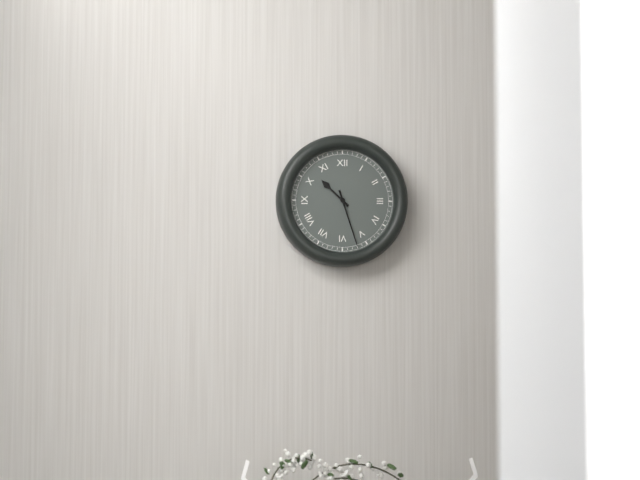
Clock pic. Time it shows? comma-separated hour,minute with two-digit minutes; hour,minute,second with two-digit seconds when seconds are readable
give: 10,27
